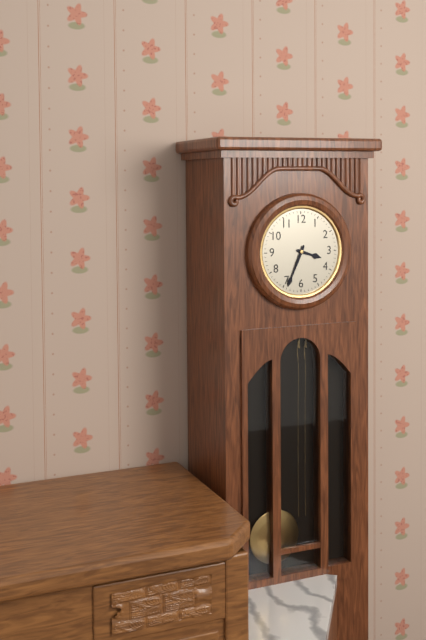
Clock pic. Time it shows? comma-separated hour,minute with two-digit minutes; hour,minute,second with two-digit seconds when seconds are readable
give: 3,34
